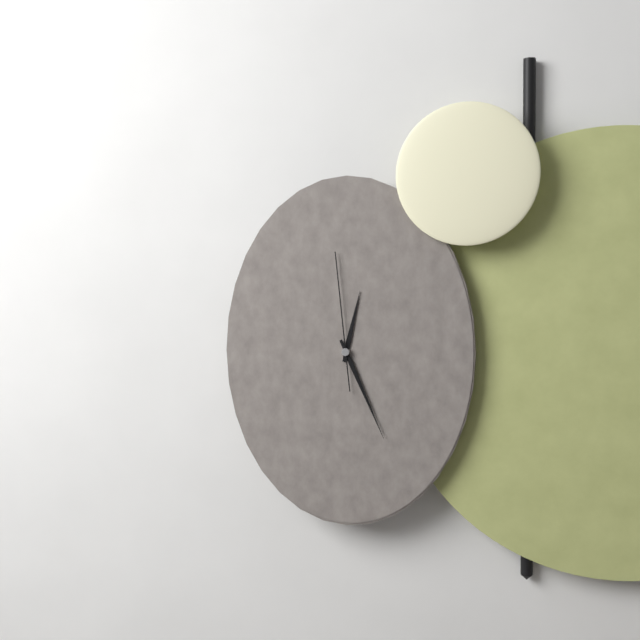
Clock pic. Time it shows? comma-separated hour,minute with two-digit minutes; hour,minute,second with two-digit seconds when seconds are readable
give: 12,26,59
